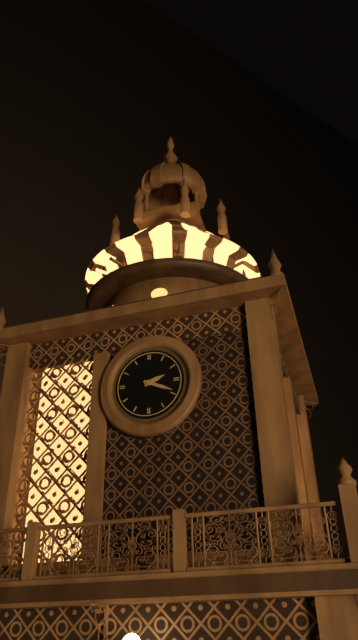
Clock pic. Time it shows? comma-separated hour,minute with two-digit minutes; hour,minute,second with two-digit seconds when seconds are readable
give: 2,19
